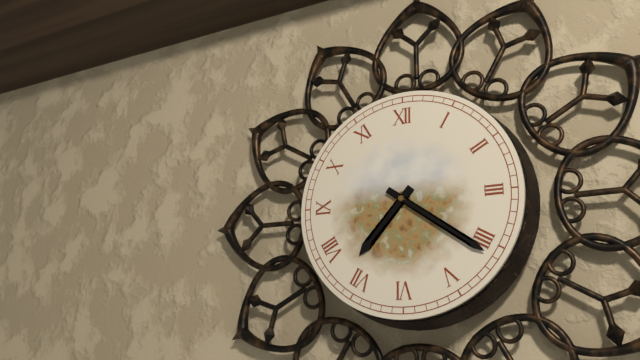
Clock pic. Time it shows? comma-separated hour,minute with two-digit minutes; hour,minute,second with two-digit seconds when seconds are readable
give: 7,21
